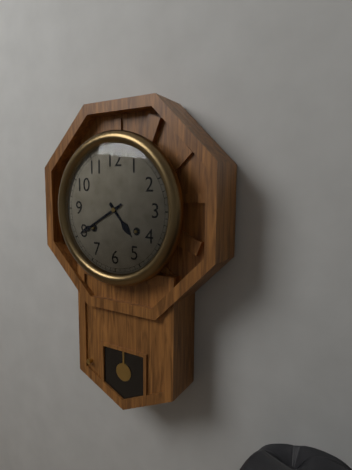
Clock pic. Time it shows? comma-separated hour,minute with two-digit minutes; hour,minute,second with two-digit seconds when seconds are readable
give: 4,40
